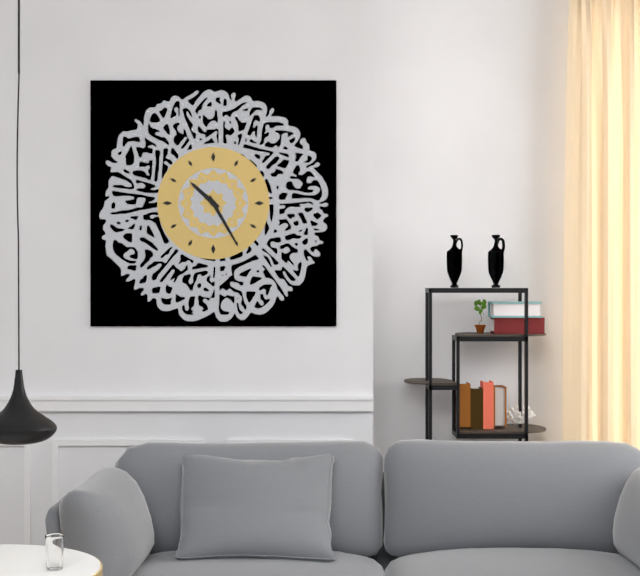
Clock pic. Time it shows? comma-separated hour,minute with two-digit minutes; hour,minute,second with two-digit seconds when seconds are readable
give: 10,25
